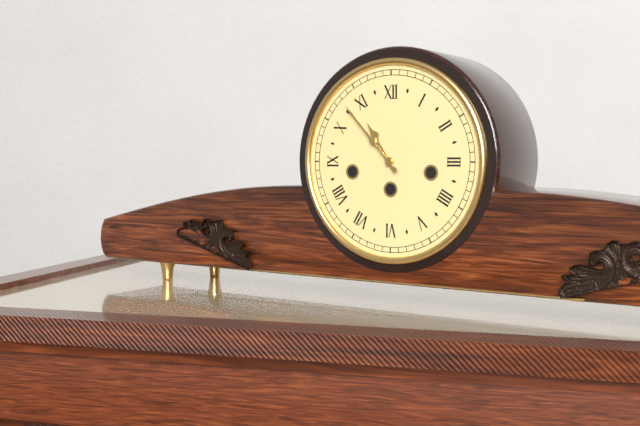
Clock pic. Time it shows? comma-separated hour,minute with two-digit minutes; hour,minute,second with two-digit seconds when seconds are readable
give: 10,53
